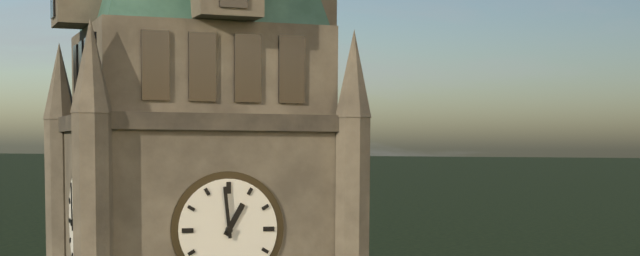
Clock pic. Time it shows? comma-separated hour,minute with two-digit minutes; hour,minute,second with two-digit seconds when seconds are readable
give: 12,59
